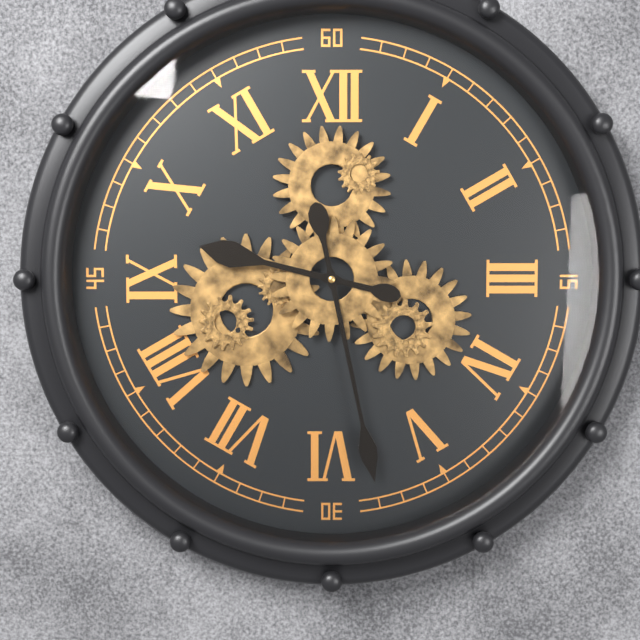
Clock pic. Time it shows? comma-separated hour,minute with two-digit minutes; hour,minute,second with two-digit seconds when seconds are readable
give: 9,28
